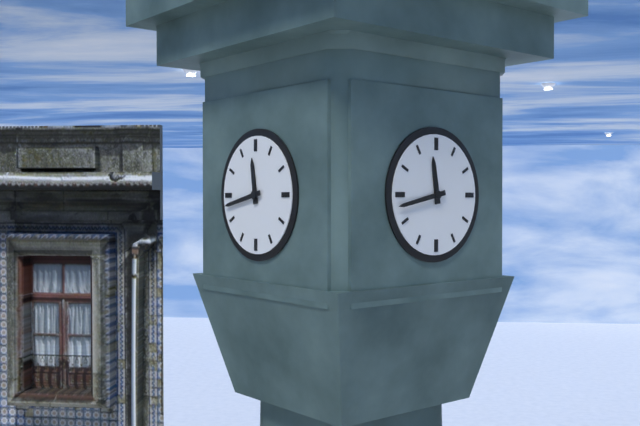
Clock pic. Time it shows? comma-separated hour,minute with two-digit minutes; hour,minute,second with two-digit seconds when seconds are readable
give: 11,43
